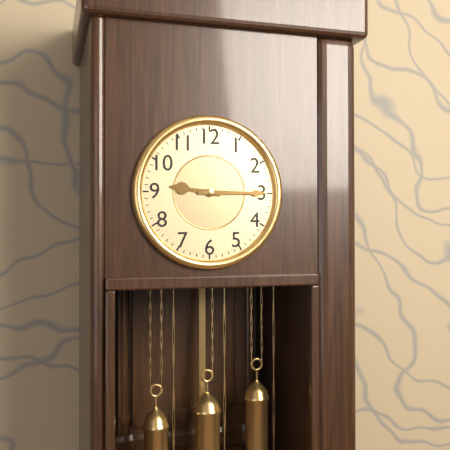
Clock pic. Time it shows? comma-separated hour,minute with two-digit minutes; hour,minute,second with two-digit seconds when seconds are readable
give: 9,15
